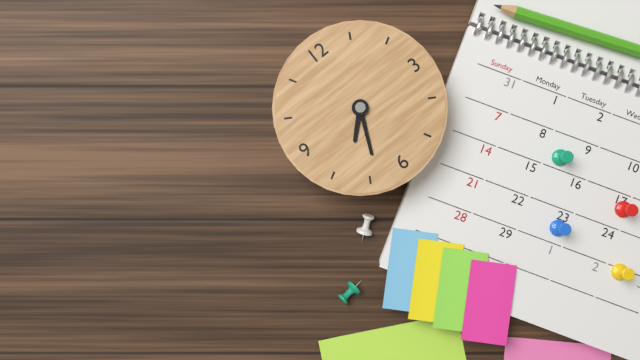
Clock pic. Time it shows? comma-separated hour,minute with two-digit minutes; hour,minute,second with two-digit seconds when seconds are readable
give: 7,34
